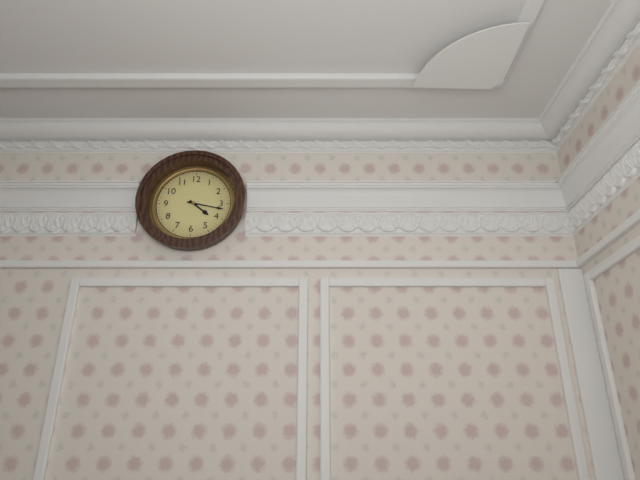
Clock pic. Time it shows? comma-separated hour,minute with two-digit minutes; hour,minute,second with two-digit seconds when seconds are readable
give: 4,17
